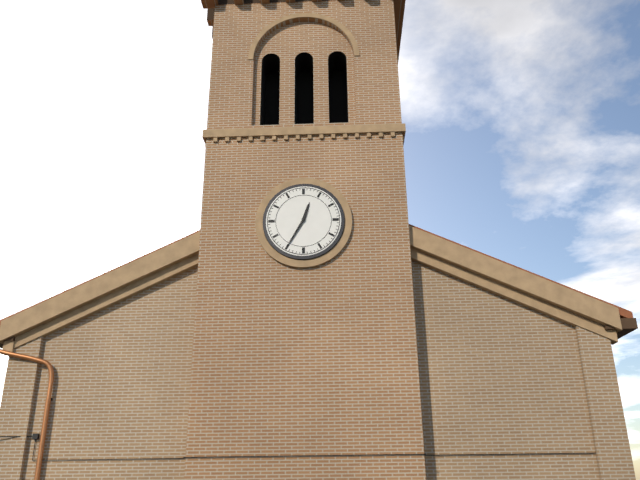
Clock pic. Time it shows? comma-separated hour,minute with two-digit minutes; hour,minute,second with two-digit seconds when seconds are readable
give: 12,35
